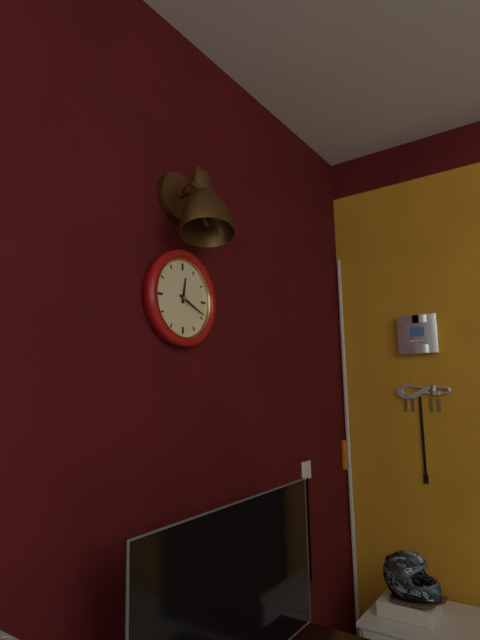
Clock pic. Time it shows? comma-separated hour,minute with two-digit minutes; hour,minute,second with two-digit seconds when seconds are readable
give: 12,19
